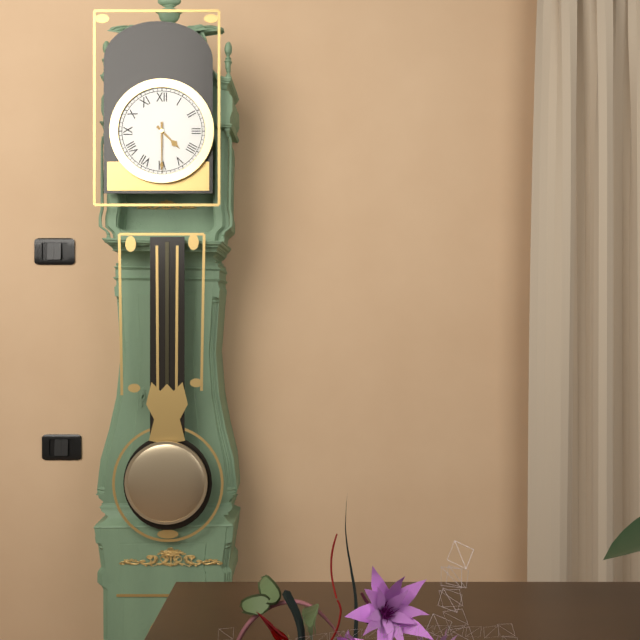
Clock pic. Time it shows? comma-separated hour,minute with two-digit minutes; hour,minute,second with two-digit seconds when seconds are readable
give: 4,30
